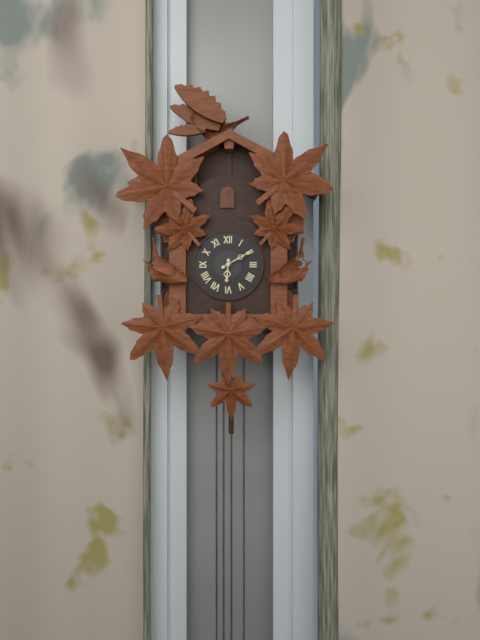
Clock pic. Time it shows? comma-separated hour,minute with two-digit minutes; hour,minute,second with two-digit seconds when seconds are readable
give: 6,10
